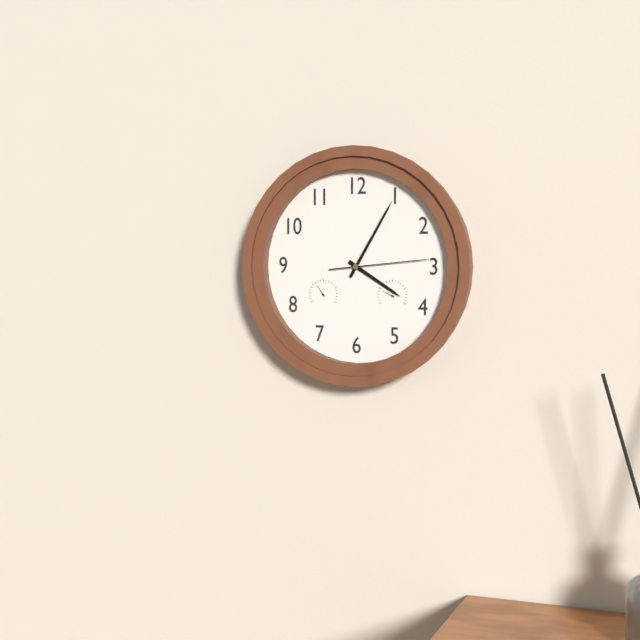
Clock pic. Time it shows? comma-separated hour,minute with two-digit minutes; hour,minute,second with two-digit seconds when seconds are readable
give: 4,05,14
